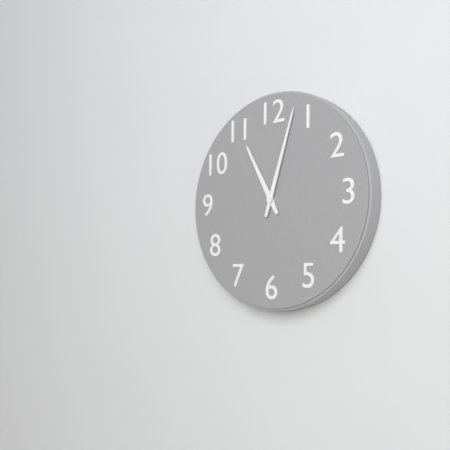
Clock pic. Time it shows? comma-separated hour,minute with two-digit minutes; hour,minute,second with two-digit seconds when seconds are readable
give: 11,03
